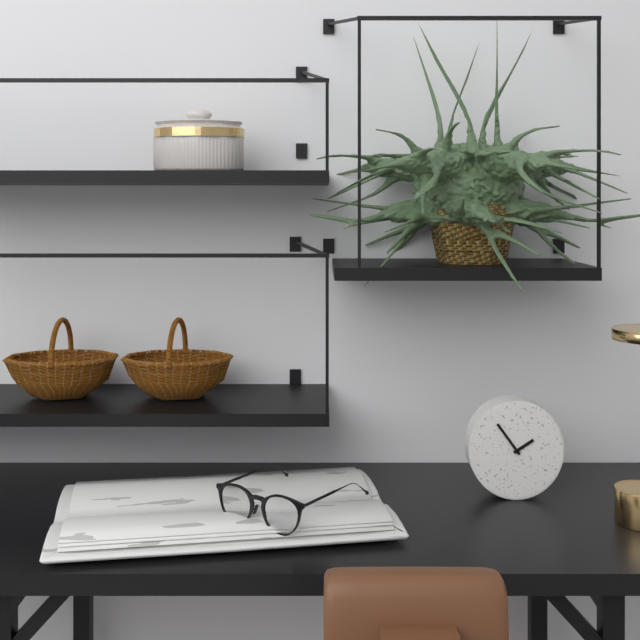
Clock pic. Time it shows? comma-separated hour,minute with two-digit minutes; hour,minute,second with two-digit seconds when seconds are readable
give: 1,54
